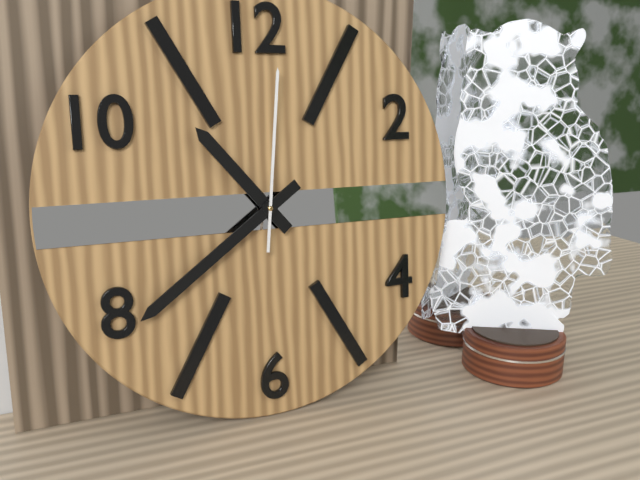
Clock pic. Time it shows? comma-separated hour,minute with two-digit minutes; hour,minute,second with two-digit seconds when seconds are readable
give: 10,39,01
